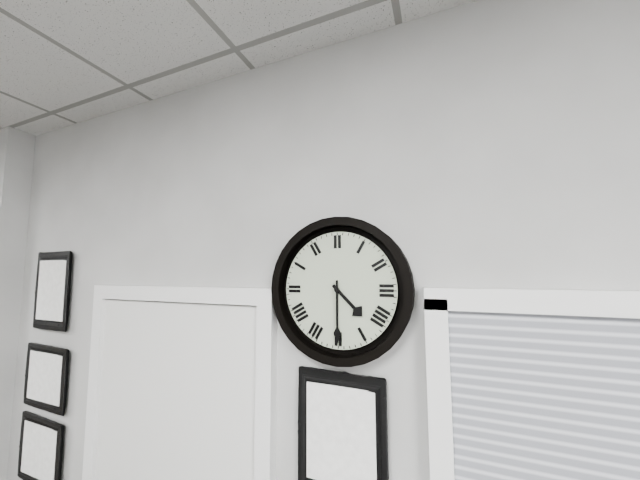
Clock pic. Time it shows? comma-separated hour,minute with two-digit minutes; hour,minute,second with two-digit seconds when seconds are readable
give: 4,30
